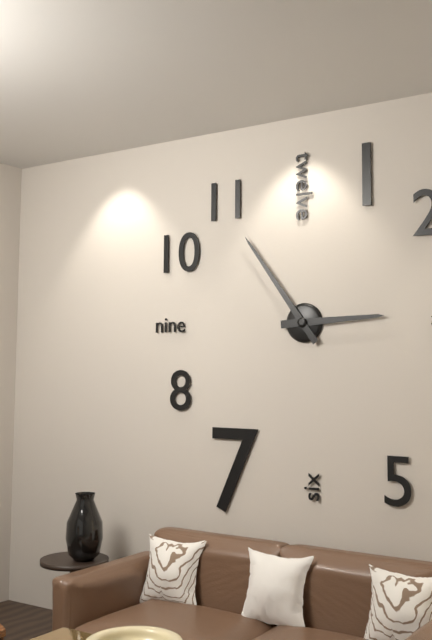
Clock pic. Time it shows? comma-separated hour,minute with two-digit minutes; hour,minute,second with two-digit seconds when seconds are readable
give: 2,54
